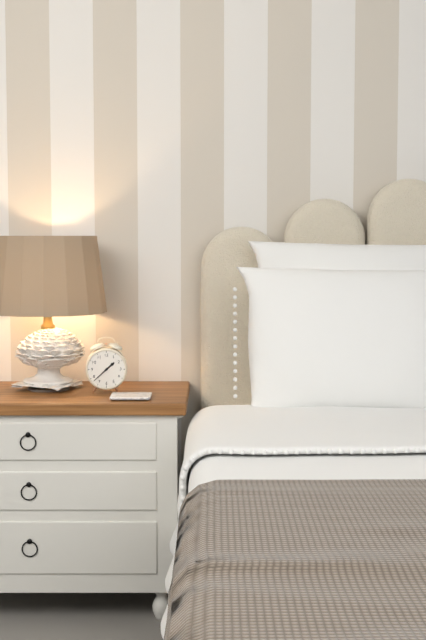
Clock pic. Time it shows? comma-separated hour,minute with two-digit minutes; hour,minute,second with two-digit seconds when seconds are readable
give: 1,38
